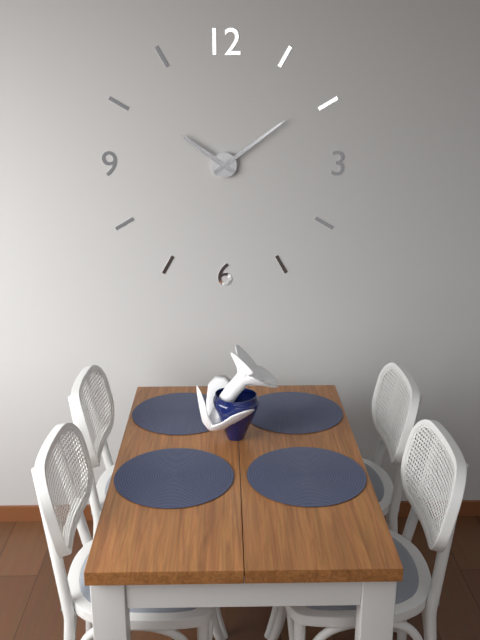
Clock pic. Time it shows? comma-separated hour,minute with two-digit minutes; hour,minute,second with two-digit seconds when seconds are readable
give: 10,09
